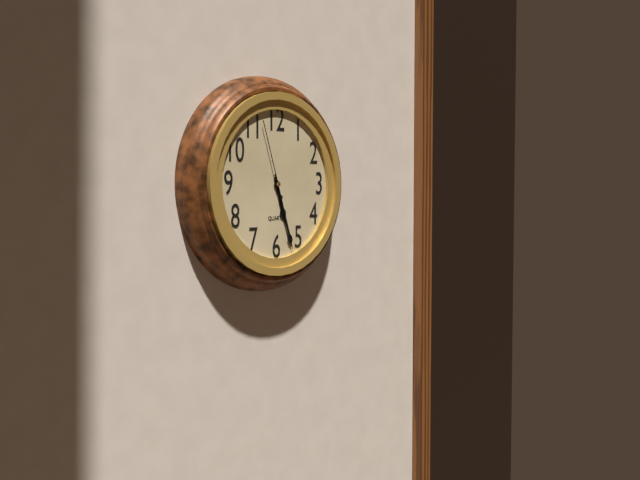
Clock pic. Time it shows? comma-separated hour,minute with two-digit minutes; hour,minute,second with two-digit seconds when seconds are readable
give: 5,27,57
